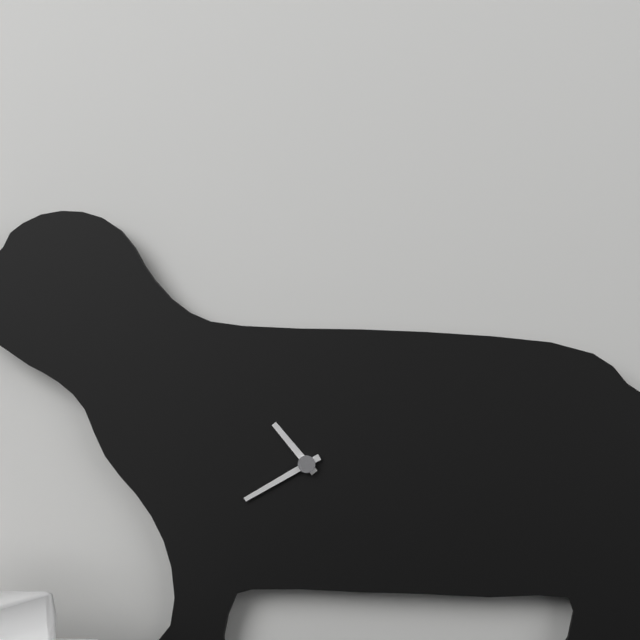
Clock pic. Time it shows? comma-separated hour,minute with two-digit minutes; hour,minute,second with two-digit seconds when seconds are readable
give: 10,40
